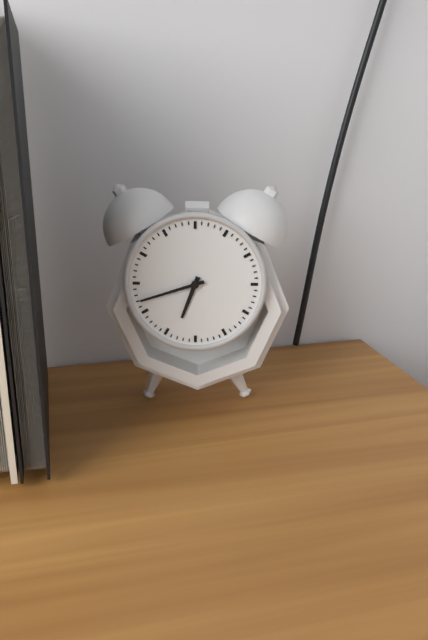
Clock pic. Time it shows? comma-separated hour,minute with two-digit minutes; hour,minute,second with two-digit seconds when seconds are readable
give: 6,42
